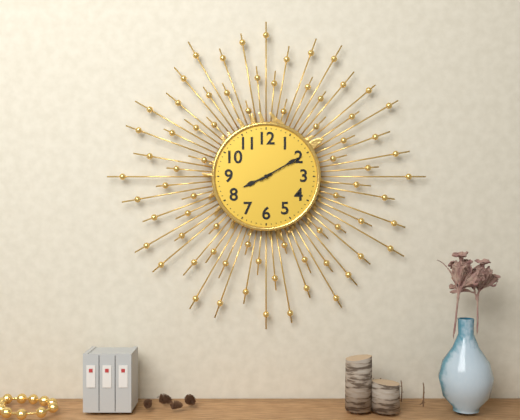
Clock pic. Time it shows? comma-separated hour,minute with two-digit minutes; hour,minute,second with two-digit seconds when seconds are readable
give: 8,10
